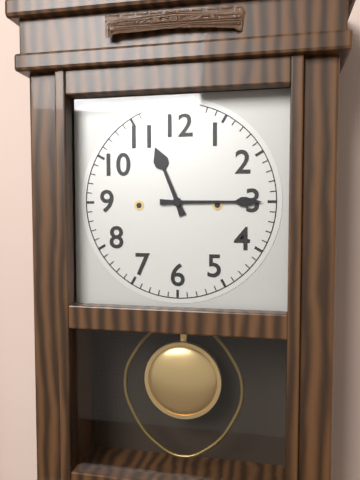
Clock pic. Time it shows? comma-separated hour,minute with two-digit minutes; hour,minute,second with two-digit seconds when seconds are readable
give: 11,15
